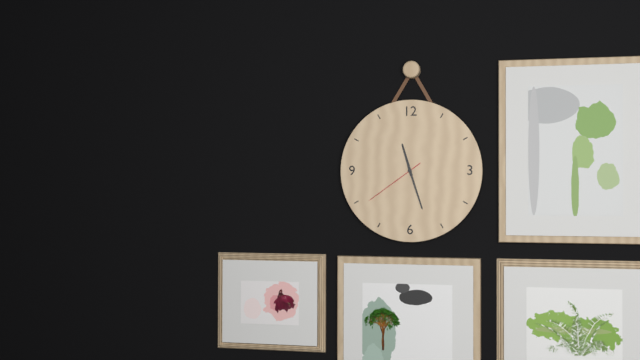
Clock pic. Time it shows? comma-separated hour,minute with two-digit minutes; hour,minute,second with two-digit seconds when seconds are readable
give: 11,27,39
